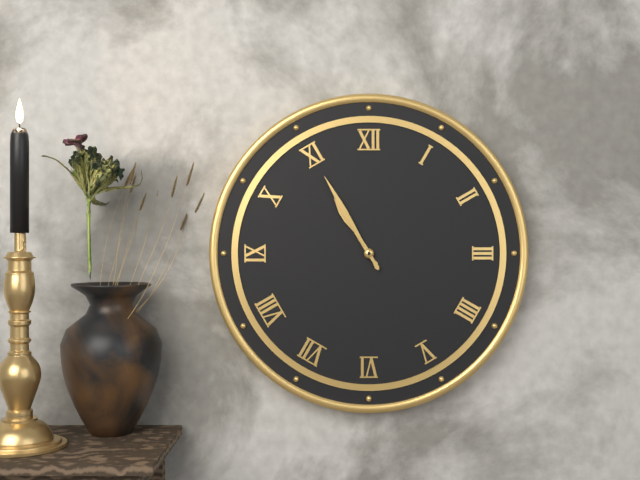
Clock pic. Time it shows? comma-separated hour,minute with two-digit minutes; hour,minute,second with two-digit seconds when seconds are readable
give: 10,55
